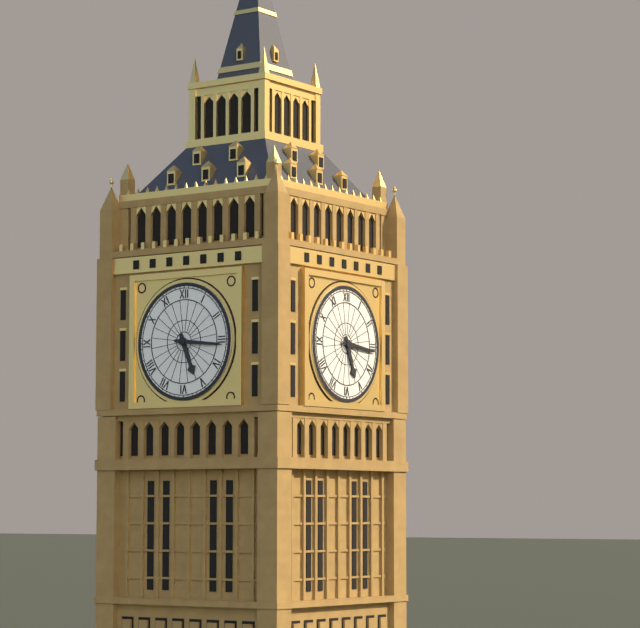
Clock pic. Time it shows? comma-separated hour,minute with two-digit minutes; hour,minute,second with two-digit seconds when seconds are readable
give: 5,16
